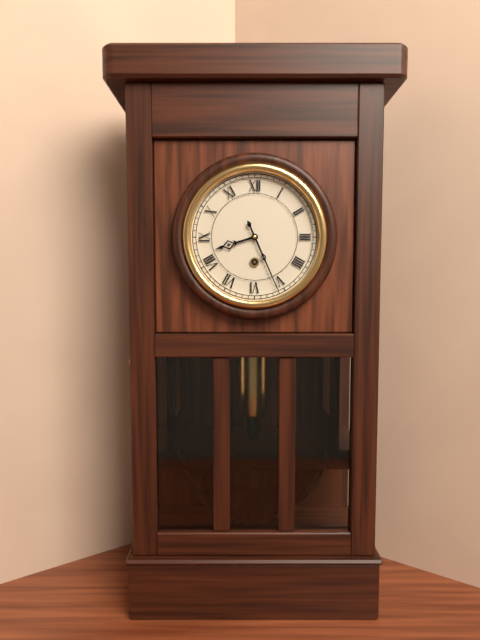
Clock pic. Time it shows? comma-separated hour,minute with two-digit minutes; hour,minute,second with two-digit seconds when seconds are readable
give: 8,26
